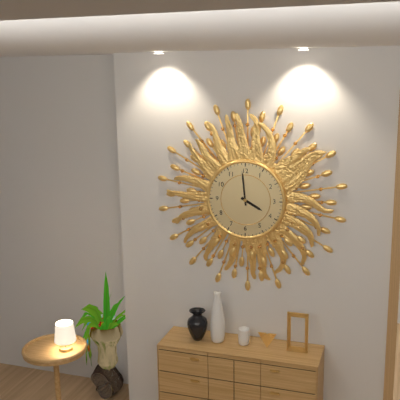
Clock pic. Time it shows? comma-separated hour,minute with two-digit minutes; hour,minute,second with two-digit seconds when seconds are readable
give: 3,59
